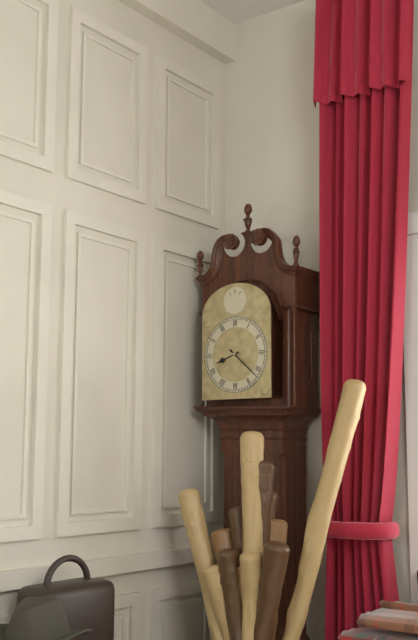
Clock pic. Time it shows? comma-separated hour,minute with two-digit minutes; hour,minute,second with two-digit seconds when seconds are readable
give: 8,22
